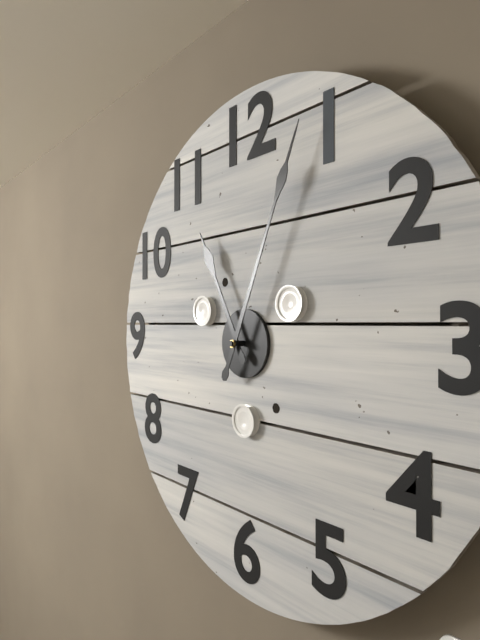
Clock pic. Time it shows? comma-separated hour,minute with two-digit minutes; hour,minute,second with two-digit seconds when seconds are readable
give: 11,04
